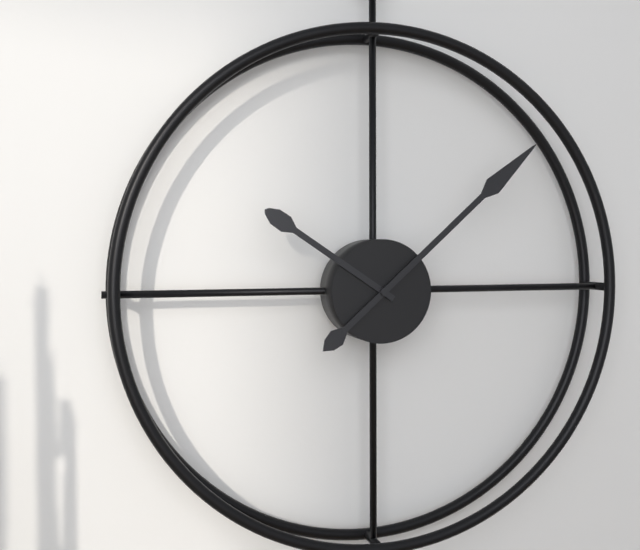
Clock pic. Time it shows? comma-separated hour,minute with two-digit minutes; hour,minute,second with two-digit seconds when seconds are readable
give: 10,08
